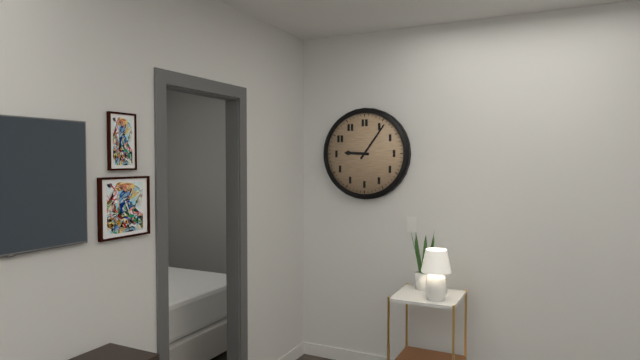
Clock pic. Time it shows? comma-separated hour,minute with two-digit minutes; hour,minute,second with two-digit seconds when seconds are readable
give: 9,06
